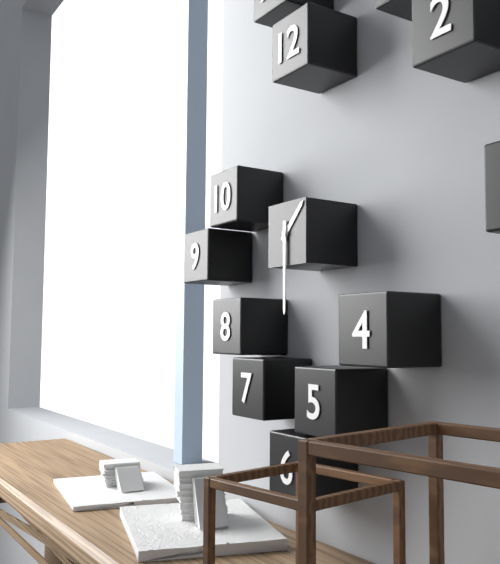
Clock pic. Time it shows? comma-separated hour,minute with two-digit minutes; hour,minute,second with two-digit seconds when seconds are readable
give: 1,30
